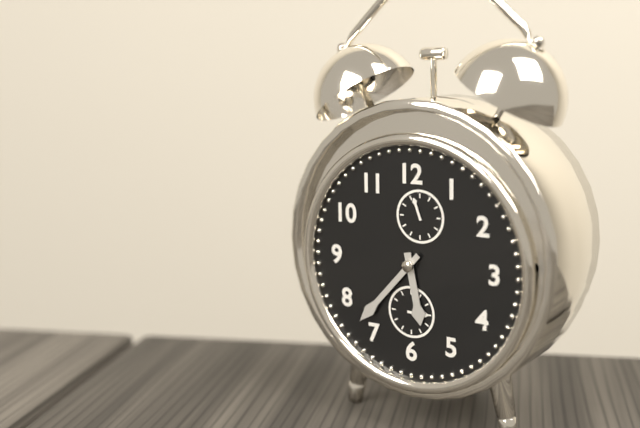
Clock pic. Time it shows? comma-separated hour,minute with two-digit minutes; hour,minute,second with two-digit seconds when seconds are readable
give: 5,37
